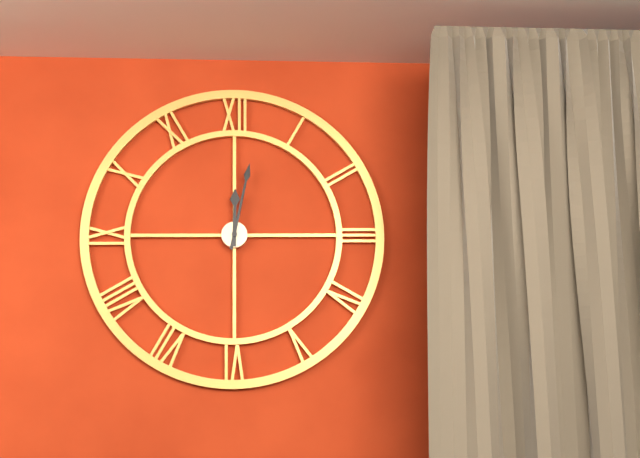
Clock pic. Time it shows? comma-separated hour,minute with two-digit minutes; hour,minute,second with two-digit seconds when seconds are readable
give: 12,02
